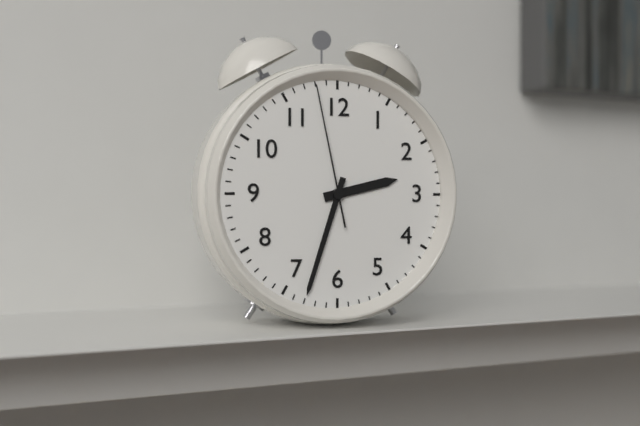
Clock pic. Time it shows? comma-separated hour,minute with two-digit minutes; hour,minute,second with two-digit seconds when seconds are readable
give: 2,33,58
